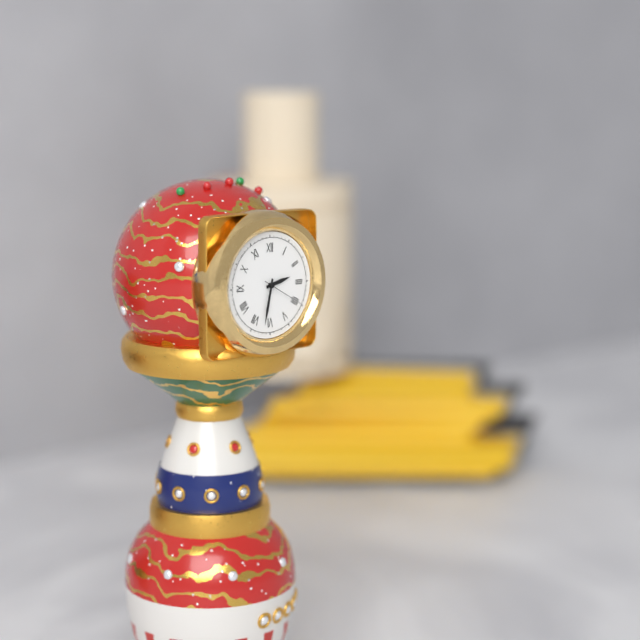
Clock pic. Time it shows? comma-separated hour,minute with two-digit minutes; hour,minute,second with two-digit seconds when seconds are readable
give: 2,32
